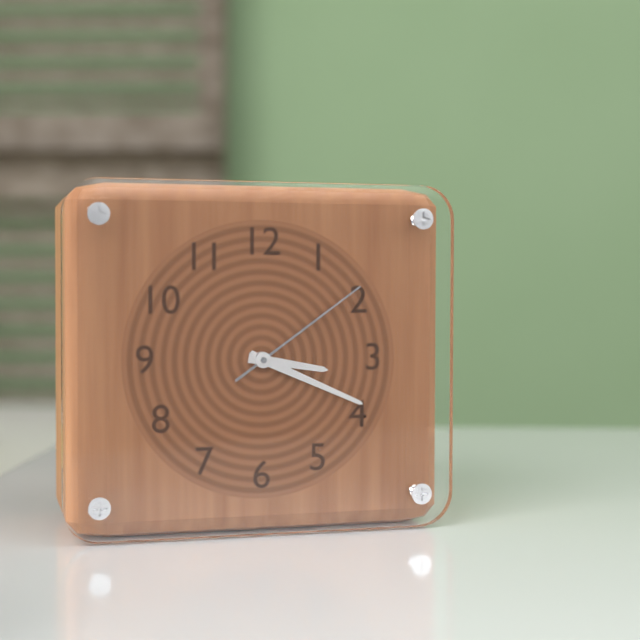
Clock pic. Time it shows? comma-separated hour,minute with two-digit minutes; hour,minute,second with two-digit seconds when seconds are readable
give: 3,19,09
